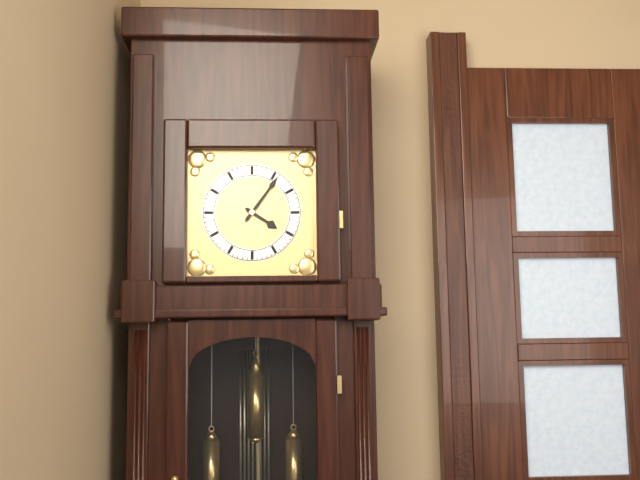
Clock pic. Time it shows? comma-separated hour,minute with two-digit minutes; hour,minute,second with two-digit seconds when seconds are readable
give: 4,06
